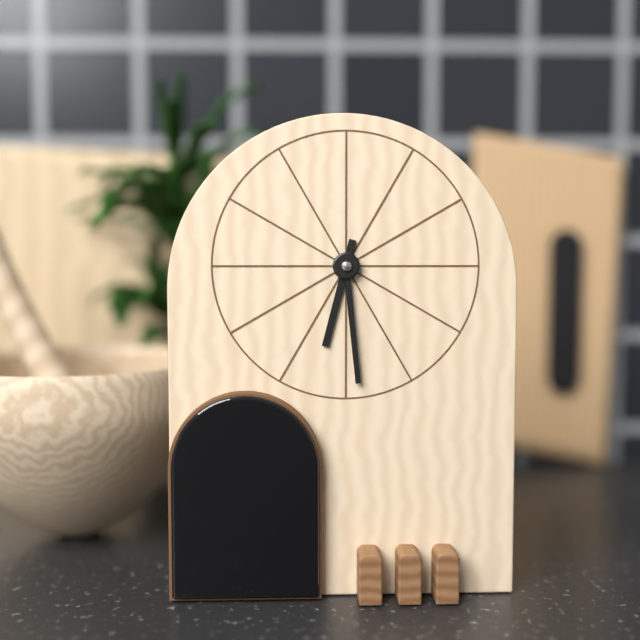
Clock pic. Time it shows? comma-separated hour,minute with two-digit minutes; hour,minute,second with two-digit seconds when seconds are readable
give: 6,29
